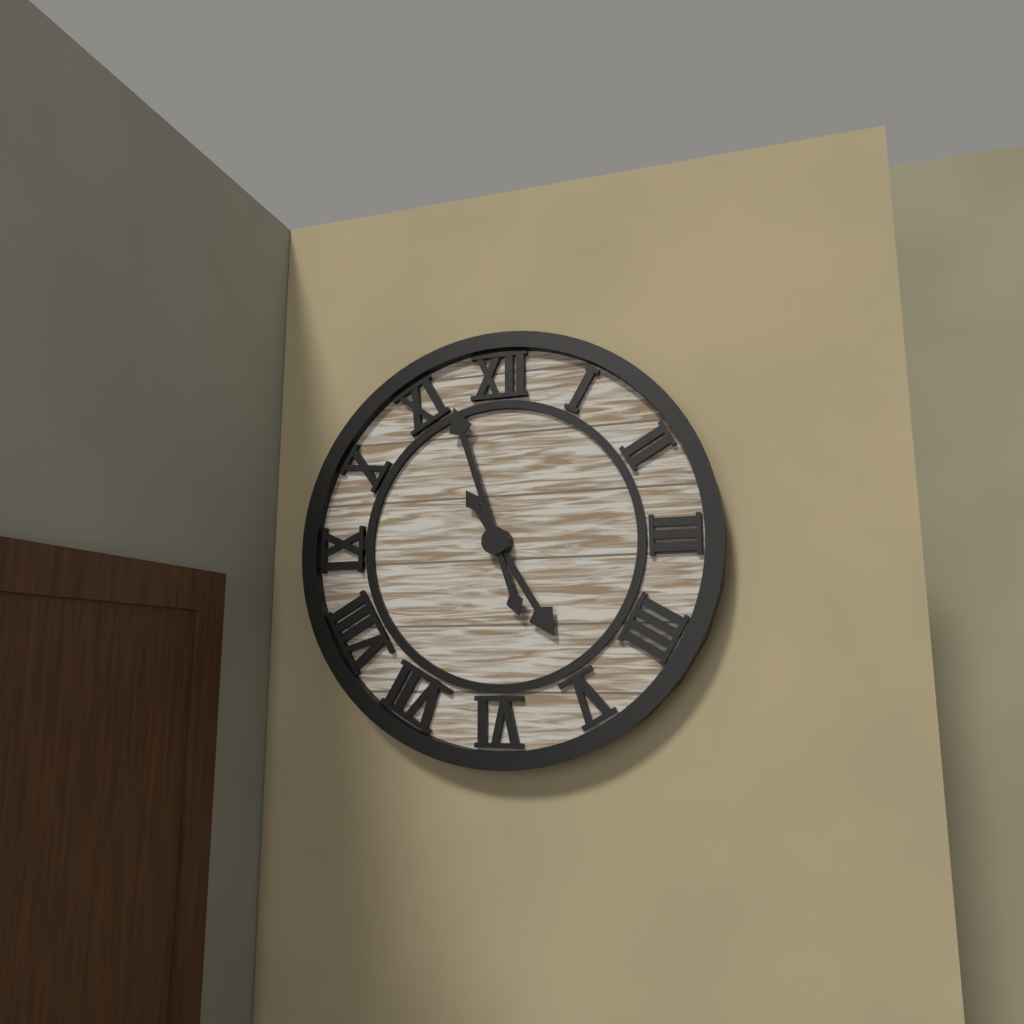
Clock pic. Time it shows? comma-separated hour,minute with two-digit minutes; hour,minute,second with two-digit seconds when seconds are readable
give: 4,57
